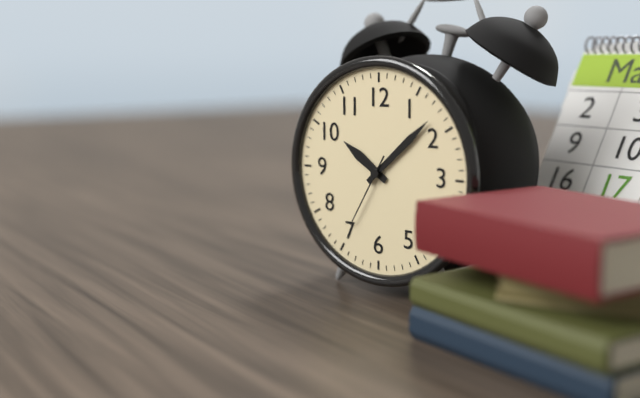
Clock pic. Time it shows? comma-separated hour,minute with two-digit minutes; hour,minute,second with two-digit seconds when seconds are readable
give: 10,08,35
